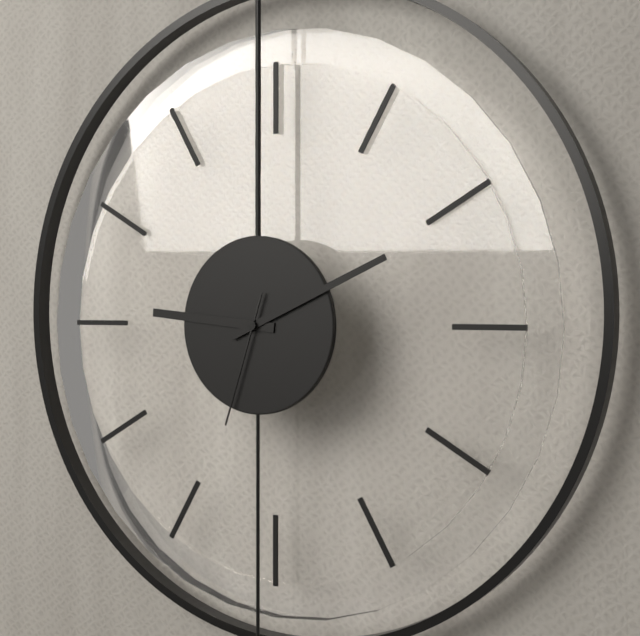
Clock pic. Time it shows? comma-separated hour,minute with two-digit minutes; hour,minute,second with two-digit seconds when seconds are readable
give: 9,11,33
